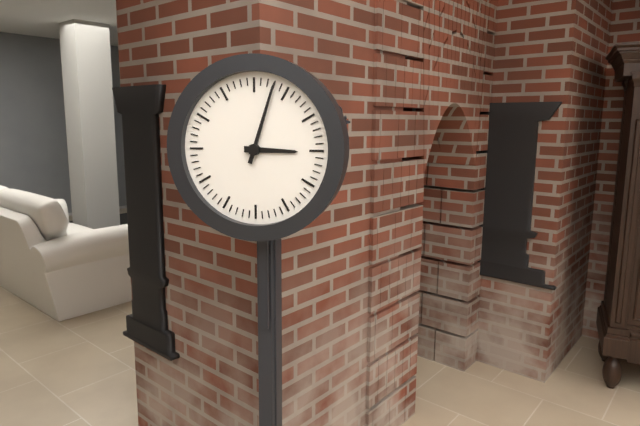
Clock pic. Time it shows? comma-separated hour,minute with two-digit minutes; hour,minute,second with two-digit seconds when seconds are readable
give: 3,03
